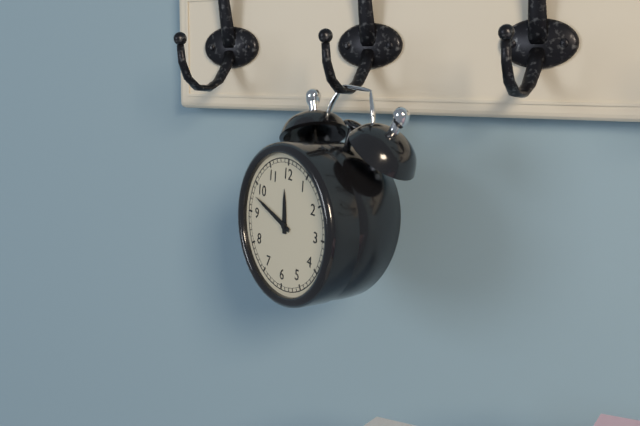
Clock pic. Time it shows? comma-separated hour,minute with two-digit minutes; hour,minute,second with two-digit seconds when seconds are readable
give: 11,48
